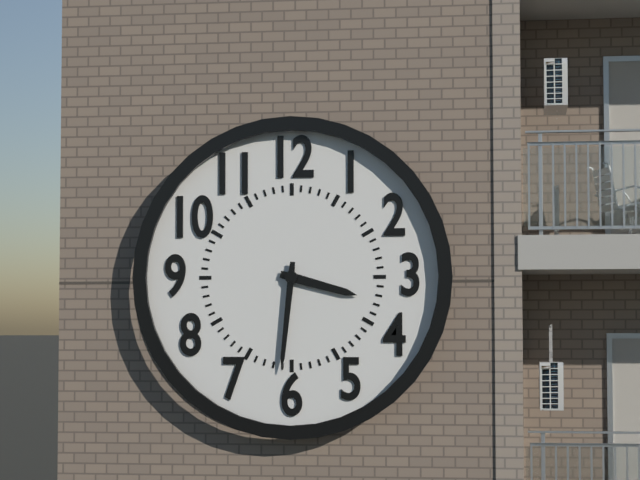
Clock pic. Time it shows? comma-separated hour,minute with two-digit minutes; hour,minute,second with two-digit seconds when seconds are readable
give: 3,31
